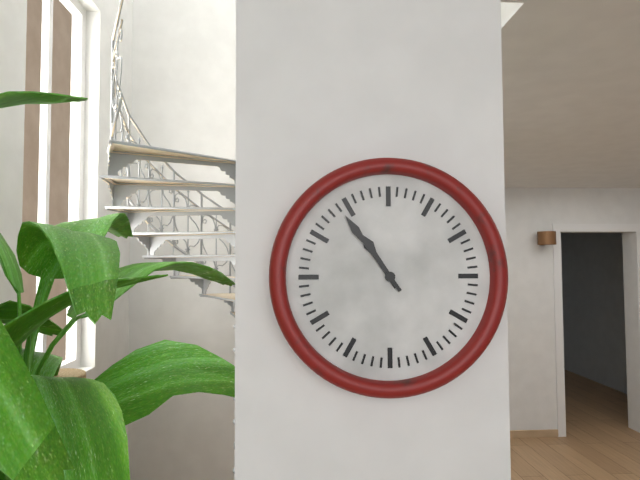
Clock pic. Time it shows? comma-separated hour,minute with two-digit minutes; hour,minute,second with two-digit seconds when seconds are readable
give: 10,54
